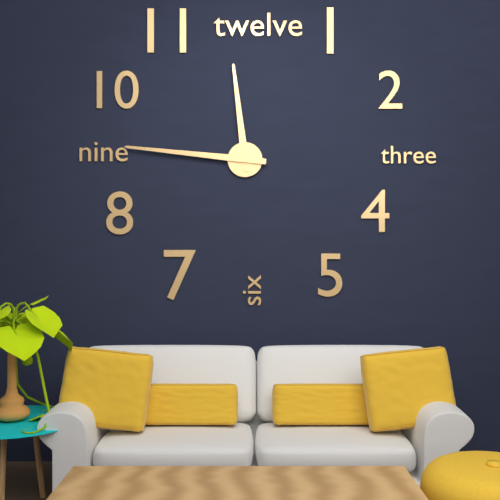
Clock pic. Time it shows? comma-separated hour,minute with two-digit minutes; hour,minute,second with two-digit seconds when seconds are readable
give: 11,46
